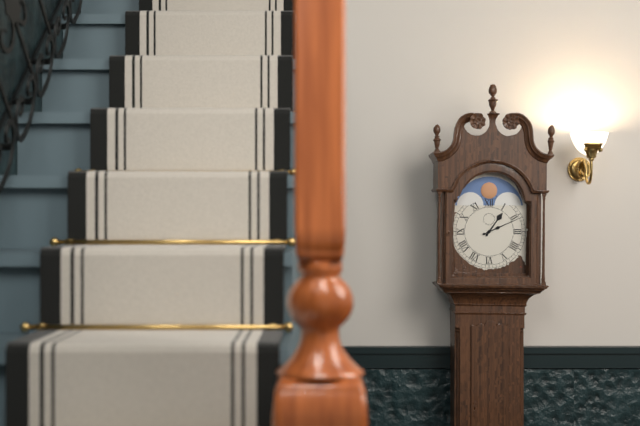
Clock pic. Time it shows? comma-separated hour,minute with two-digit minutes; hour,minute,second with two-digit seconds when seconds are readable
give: 1,11
